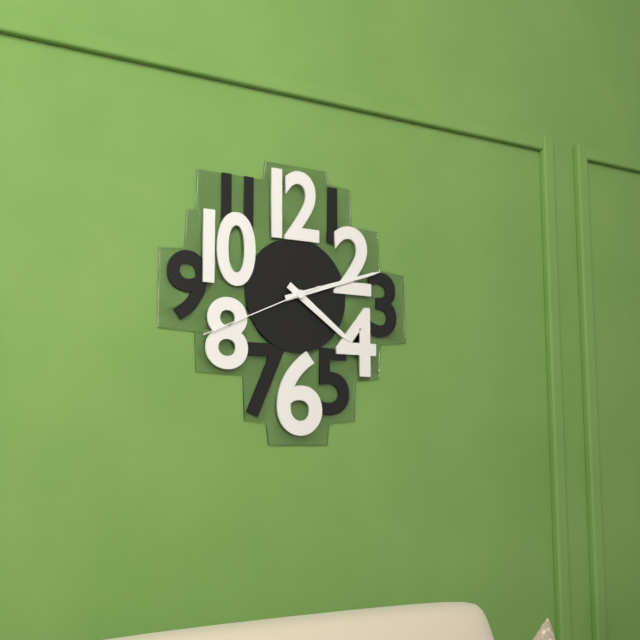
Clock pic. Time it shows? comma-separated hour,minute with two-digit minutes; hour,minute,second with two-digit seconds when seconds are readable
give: 4,12,41
